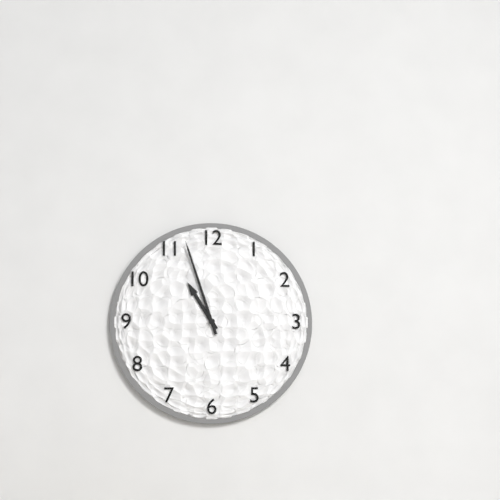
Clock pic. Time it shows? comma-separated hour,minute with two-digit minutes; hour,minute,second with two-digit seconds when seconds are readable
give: 10,57
